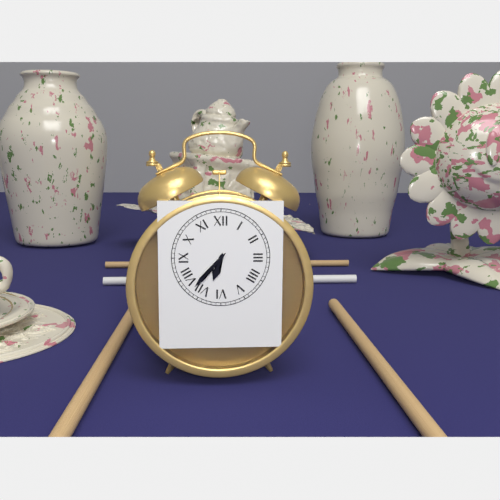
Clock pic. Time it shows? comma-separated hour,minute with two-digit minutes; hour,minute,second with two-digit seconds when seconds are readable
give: 6,37
